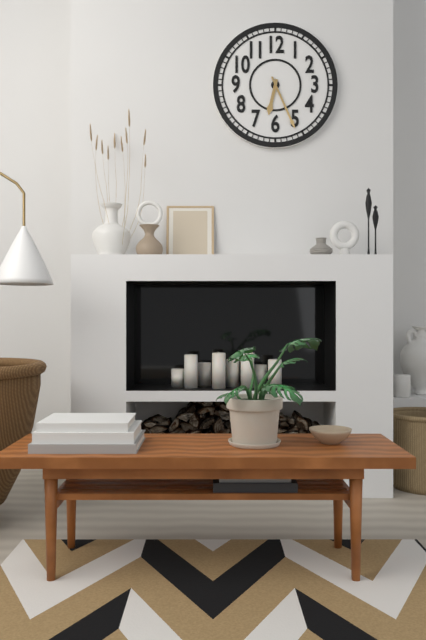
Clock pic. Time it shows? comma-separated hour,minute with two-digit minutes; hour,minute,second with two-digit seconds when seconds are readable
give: 6,26
